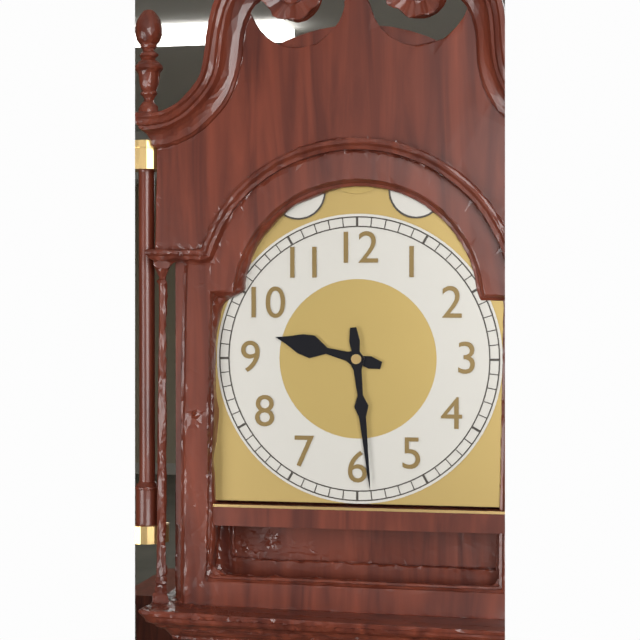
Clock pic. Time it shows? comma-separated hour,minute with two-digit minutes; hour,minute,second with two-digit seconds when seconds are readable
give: 9,29
